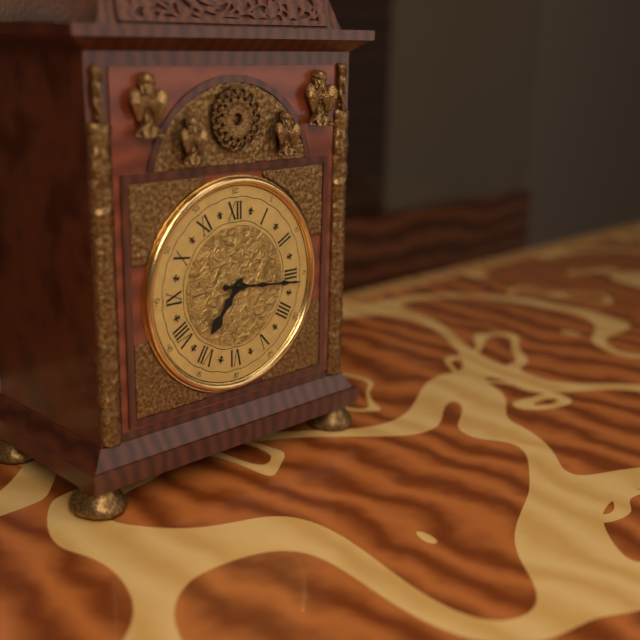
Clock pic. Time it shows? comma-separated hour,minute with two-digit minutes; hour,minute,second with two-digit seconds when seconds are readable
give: 7,16
